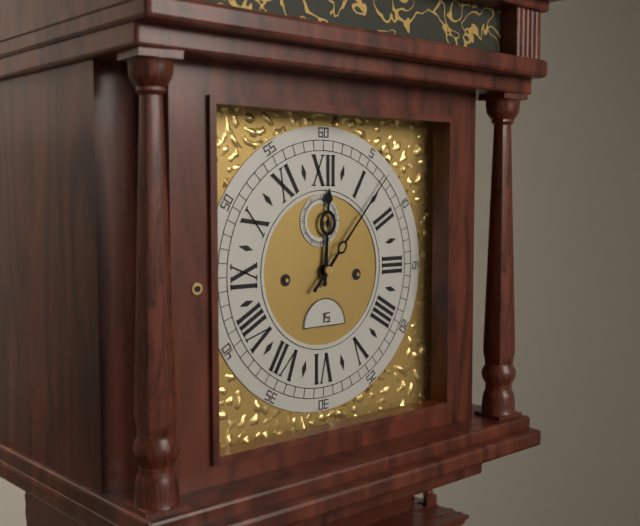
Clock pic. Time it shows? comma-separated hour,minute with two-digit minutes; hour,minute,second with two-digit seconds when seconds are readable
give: 12,07
